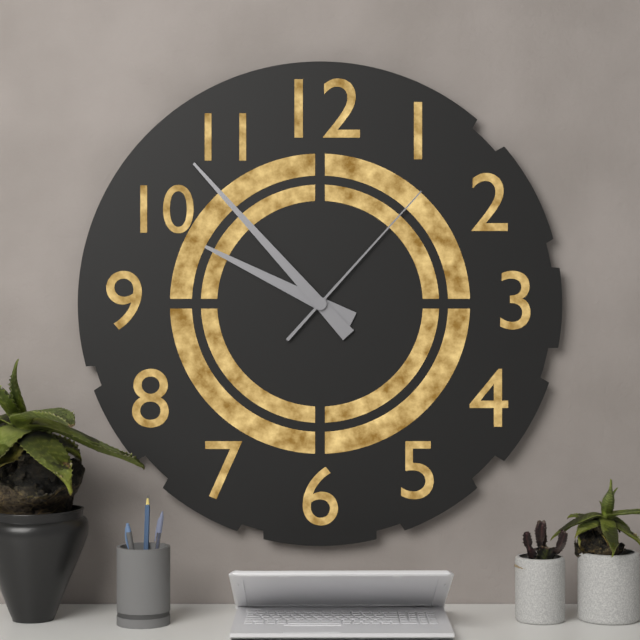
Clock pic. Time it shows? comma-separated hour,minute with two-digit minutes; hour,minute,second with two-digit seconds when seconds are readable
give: 9,53,07
